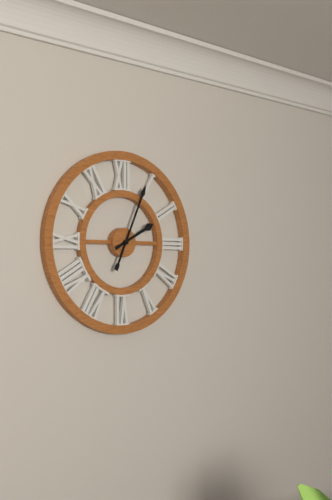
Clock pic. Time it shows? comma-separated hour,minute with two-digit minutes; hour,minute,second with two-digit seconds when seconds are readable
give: 2,04
